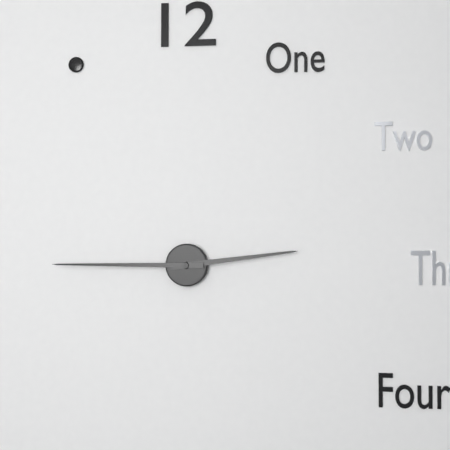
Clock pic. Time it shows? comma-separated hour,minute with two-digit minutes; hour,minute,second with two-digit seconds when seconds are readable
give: 2,45
